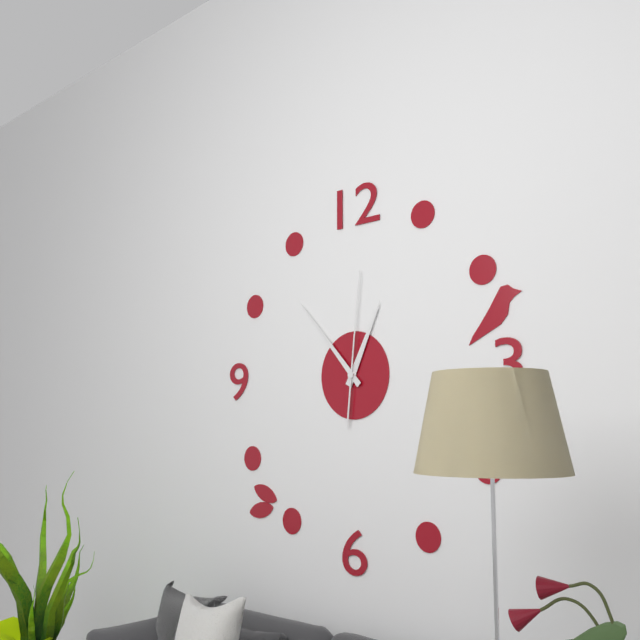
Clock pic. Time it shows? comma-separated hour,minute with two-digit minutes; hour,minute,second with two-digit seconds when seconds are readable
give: 12,53,01
